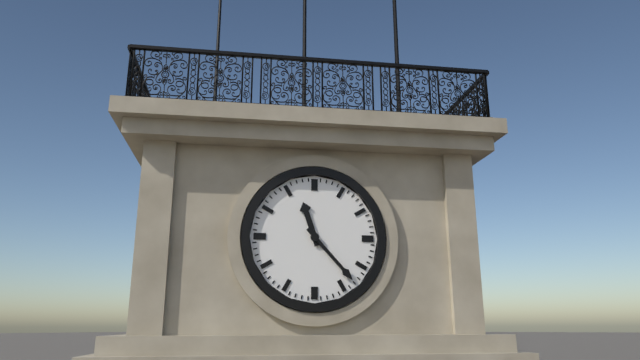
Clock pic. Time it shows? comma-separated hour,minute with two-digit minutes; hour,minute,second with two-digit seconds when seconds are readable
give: 11,23
